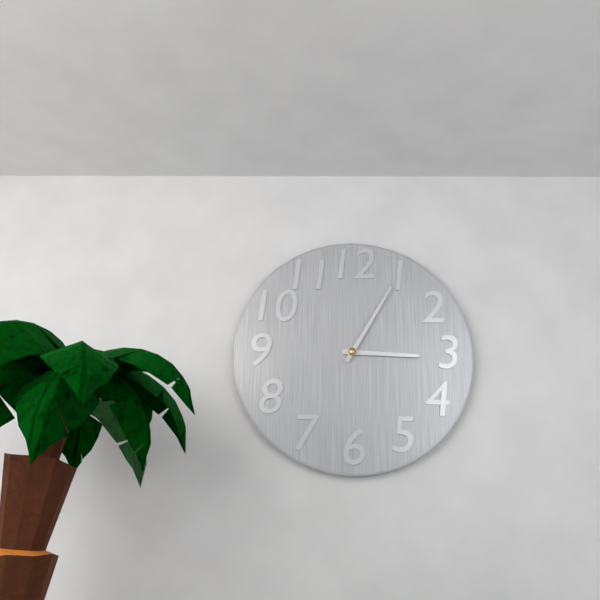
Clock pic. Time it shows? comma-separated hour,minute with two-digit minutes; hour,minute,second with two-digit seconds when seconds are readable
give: 3,05
